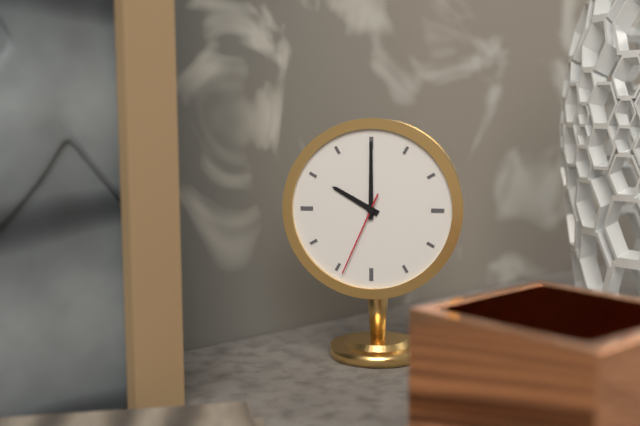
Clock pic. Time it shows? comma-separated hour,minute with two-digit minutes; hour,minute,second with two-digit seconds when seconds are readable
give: 10,00,34
